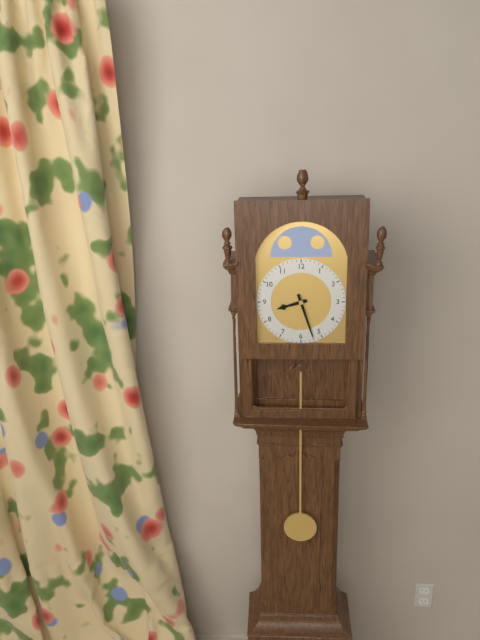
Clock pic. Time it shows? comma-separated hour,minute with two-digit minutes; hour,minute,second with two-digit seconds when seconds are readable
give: 8,27
